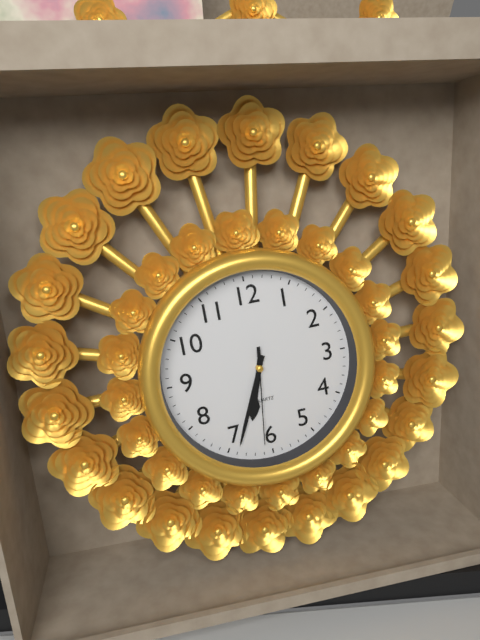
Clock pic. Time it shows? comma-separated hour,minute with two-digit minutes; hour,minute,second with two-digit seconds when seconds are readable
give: 6,34,31
